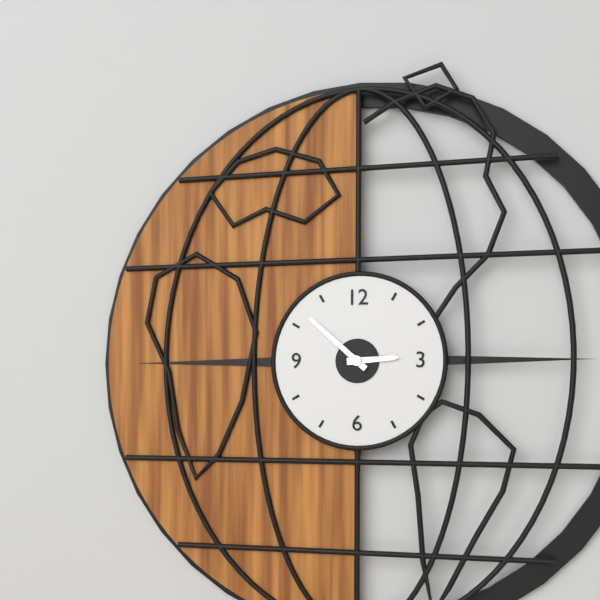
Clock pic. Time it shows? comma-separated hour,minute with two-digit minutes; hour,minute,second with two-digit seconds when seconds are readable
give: 2,52
